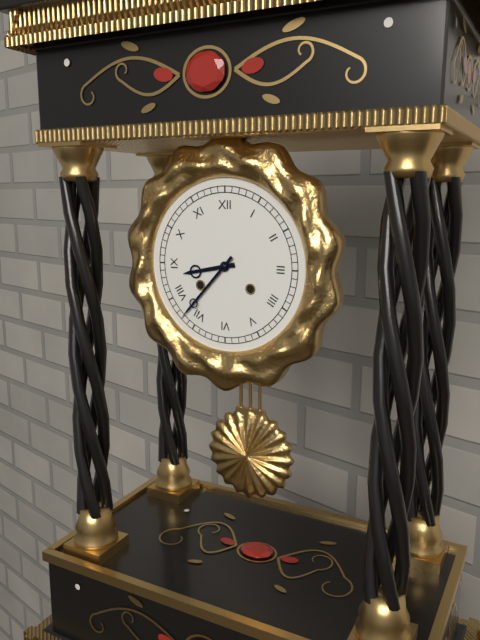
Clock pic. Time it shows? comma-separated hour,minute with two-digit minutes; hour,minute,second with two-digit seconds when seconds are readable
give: 8,37
